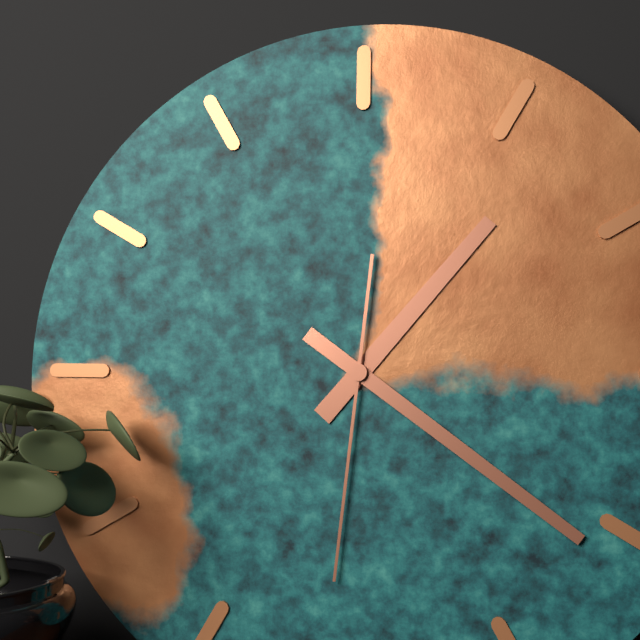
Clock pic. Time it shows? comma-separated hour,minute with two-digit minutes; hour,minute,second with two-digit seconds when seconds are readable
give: 1,21,31
